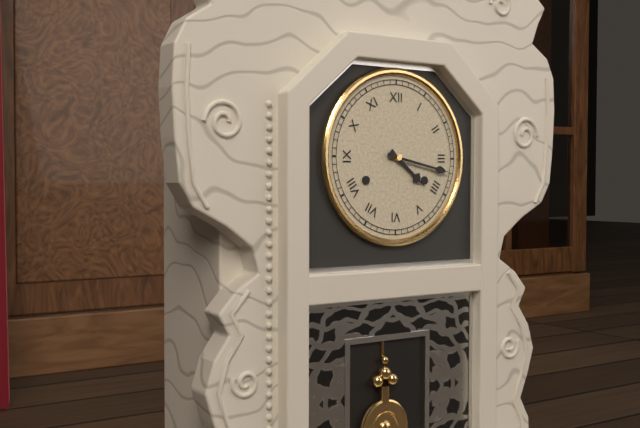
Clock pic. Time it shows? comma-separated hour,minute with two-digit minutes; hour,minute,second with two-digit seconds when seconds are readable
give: 4,17
